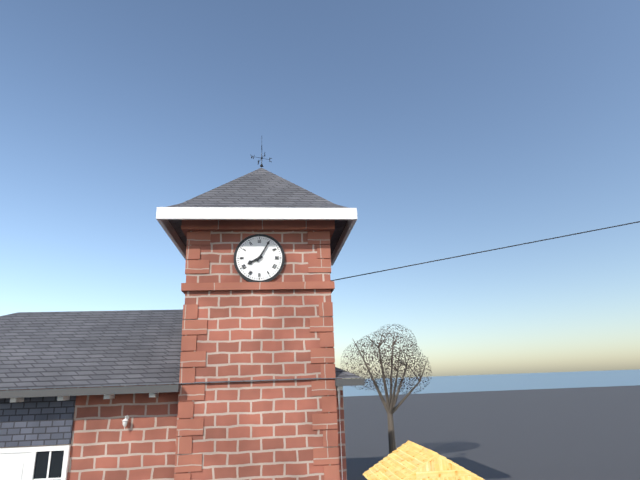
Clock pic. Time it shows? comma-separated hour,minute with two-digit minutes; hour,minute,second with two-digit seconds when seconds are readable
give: 8,05
